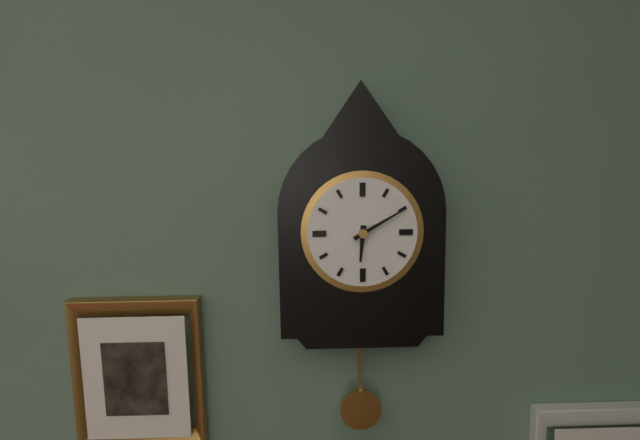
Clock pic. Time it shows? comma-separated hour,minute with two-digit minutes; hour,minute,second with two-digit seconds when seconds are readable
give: 6,10
